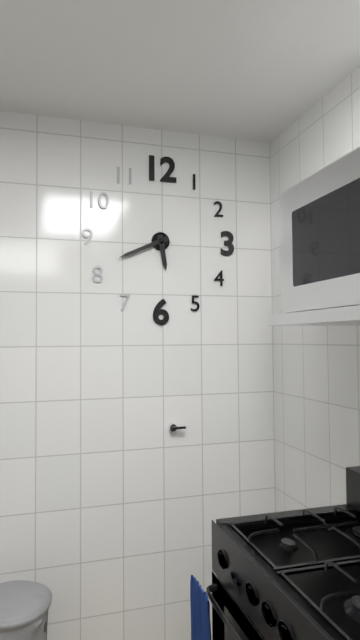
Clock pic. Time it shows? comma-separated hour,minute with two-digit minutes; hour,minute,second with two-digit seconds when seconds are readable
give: 5,41
